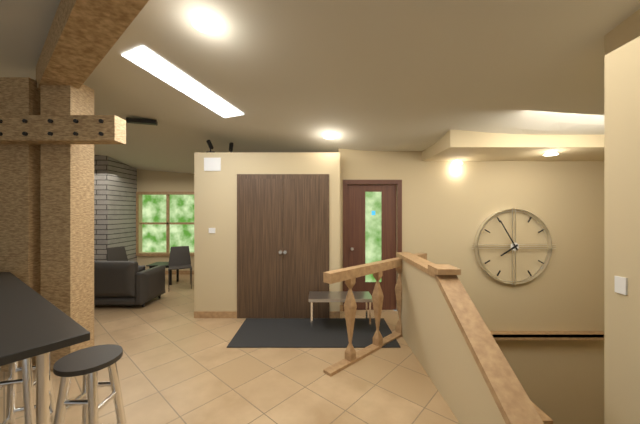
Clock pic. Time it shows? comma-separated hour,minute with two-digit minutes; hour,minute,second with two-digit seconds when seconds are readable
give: 7,55
